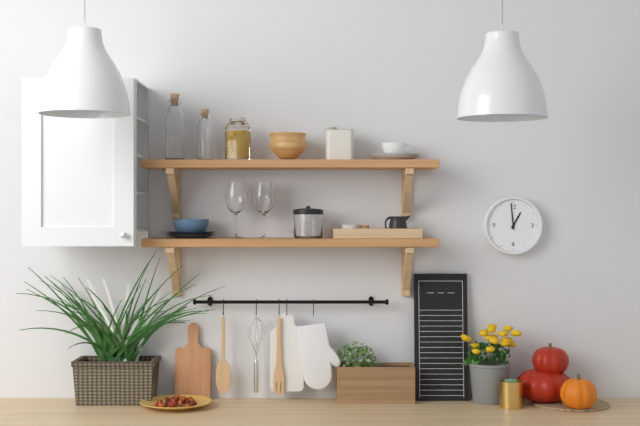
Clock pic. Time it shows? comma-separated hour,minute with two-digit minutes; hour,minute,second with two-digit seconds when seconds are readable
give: 12,59
